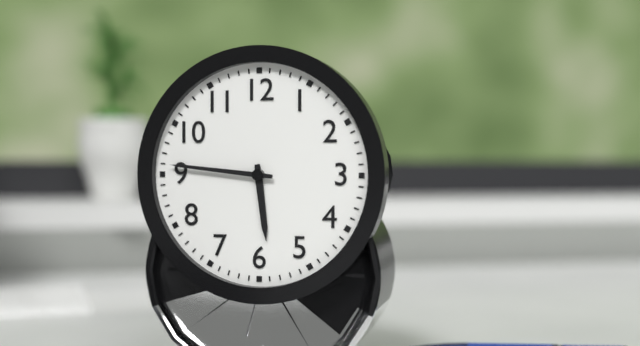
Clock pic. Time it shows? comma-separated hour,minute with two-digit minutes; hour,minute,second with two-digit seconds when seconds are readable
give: 5,46
